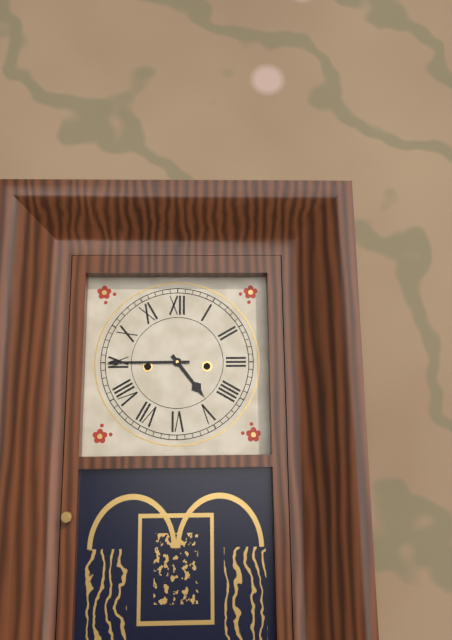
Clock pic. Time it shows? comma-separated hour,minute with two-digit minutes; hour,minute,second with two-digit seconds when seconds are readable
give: 4,45
